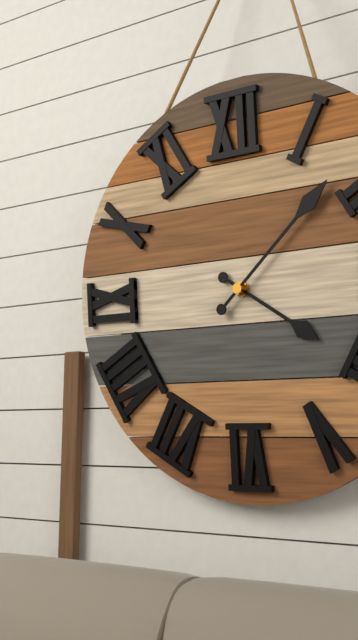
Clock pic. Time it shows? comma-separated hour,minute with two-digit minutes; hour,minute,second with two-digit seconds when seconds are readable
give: 4,08
